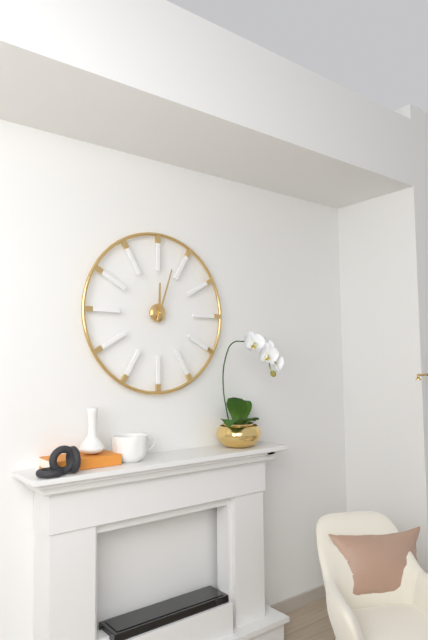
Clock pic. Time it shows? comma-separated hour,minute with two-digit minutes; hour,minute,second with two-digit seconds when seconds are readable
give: 12,03
